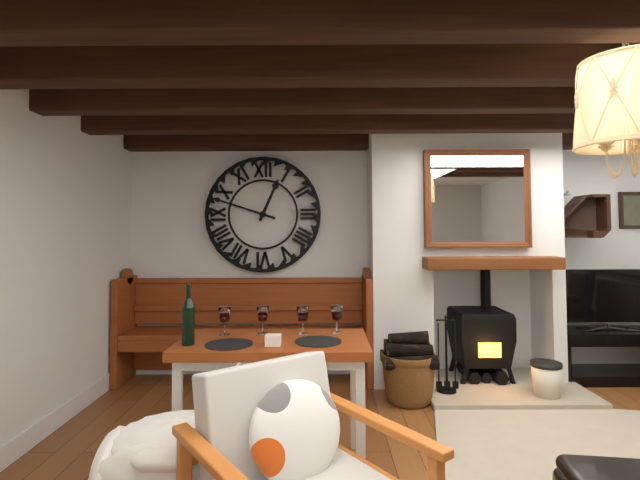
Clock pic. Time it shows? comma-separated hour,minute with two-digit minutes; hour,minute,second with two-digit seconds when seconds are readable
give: 12,48
